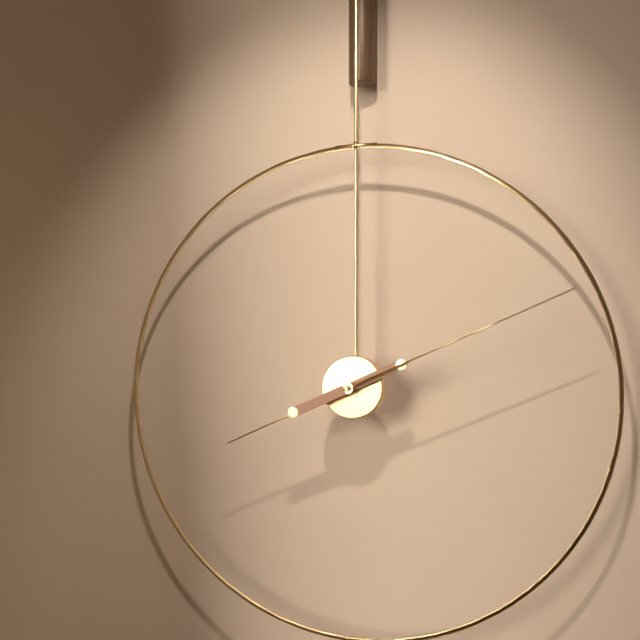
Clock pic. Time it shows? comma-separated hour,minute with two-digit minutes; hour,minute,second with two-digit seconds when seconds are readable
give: 8,11
